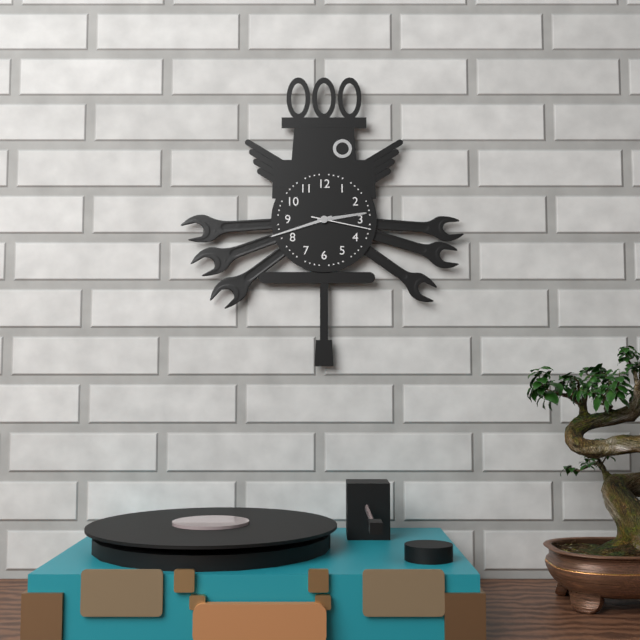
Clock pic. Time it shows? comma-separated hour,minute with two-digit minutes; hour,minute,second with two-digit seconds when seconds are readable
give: 2,42,17
